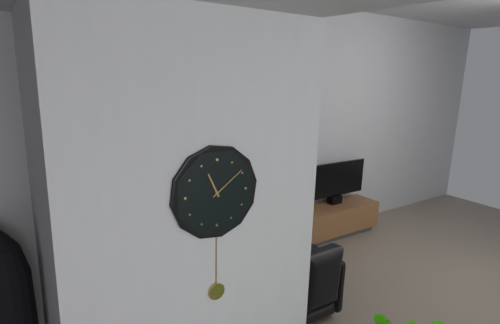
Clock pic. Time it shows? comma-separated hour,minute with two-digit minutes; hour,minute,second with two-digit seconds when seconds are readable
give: 11,09
